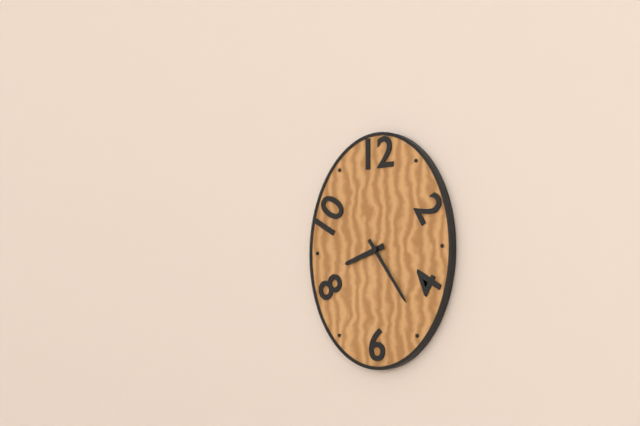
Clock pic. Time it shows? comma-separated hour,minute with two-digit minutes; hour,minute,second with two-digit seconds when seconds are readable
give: 8,24
